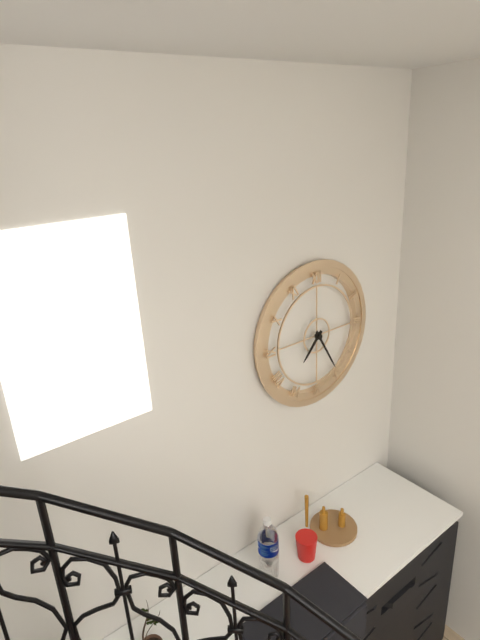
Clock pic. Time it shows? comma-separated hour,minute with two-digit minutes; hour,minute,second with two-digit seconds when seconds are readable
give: 7,25
